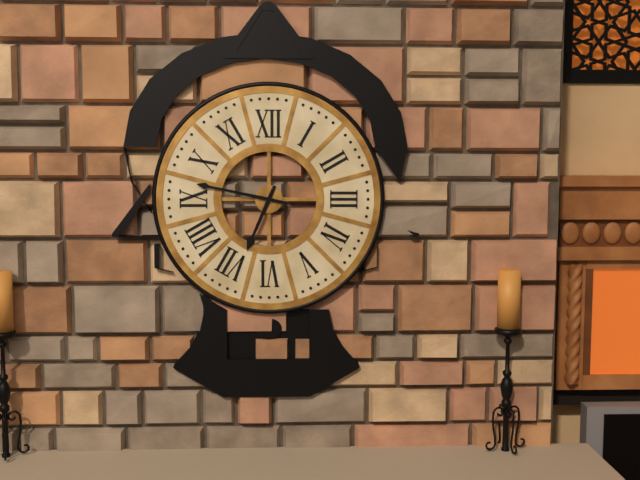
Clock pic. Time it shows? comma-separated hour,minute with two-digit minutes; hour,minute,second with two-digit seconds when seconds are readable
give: 6,47
